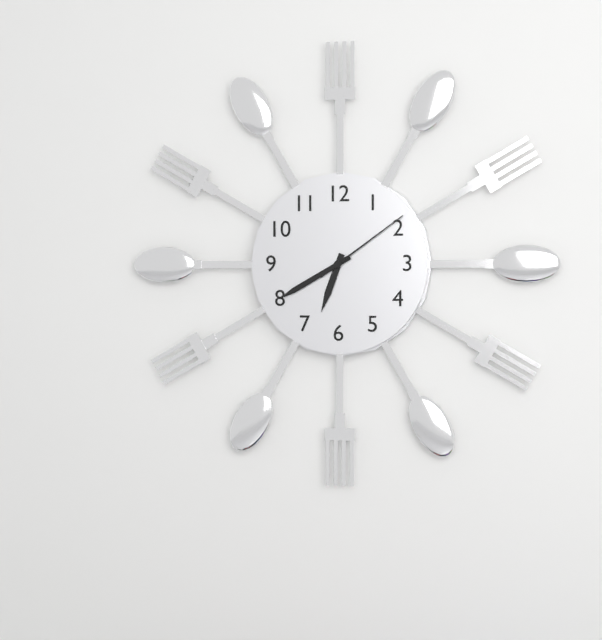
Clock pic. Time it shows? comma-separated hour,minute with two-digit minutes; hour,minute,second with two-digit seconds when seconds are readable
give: 6,40,09
